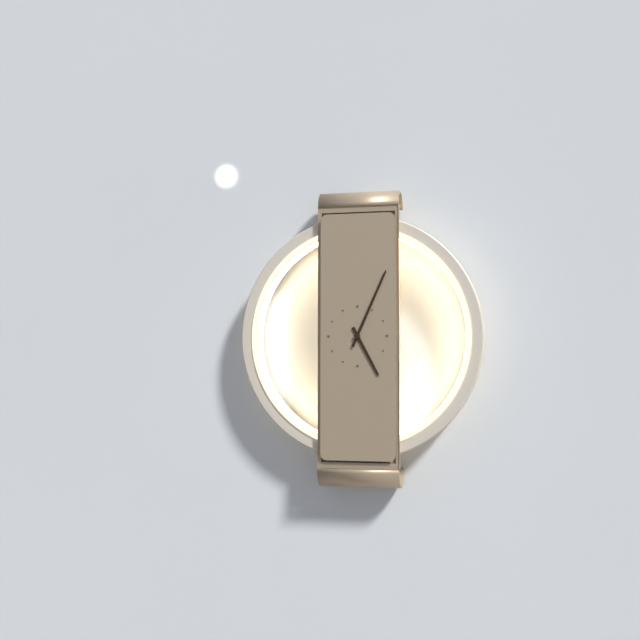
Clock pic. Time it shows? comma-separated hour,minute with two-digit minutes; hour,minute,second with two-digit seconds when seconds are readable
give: 5,04
